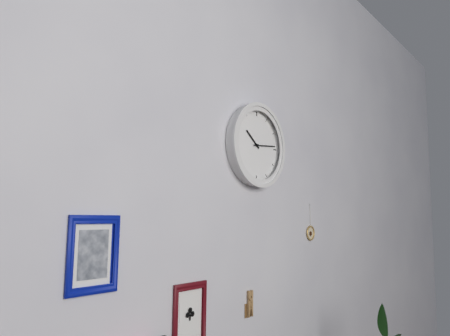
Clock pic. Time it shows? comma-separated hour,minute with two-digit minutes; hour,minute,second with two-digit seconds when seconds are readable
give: 10,14
